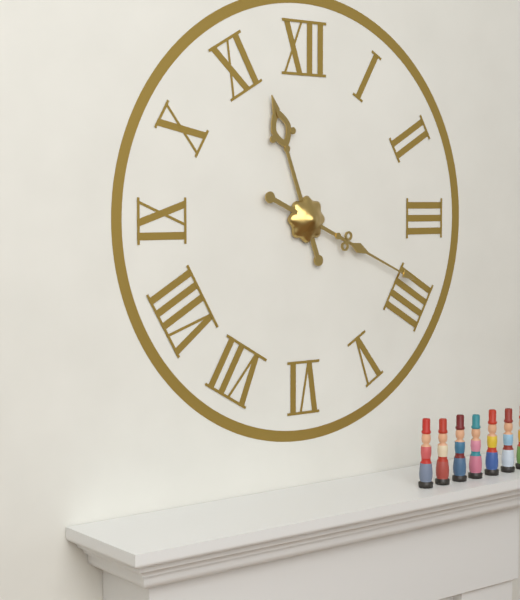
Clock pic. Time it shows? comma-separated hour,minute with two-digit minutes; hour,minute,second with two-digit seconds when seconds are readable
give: 11,19
